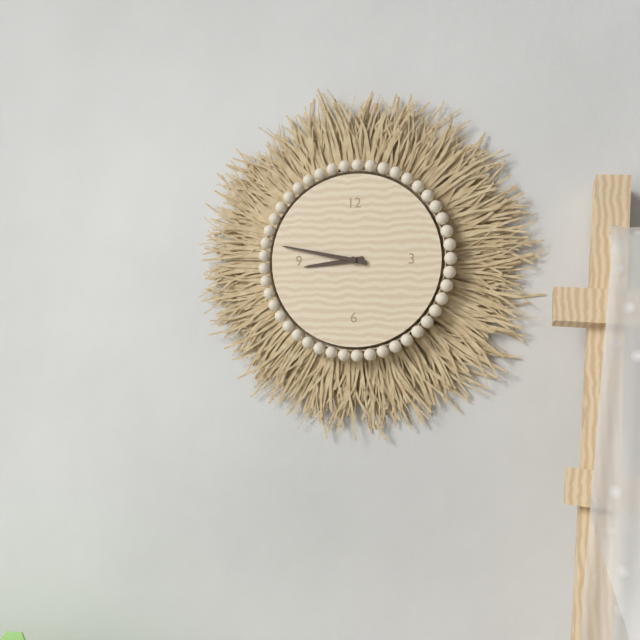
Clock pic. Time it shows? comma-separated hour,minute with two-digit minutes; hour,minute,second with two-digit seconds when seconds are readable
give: 8,47
